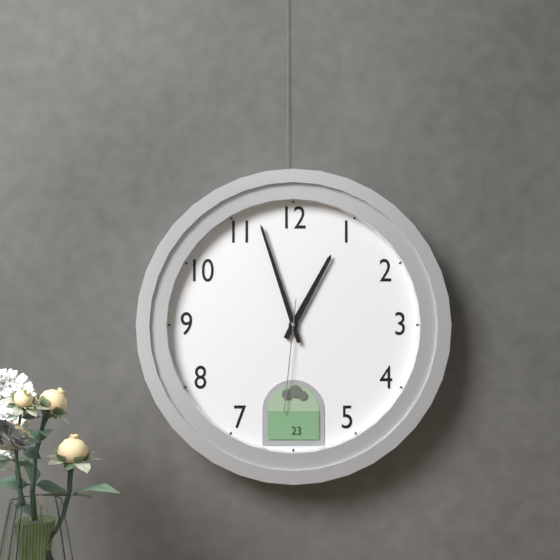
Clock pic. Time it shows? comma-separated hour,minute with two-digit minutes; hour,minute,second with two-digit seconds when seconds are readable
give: 12,57,31
